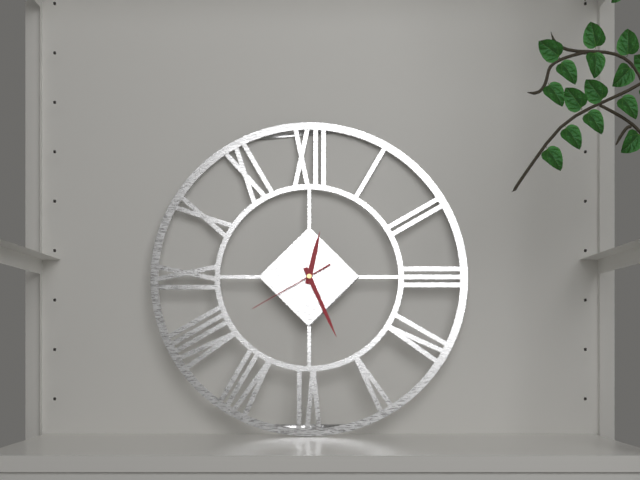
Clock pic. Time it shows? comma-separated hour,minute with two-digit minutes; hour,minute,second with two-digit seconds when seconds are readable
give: 12,26,40
